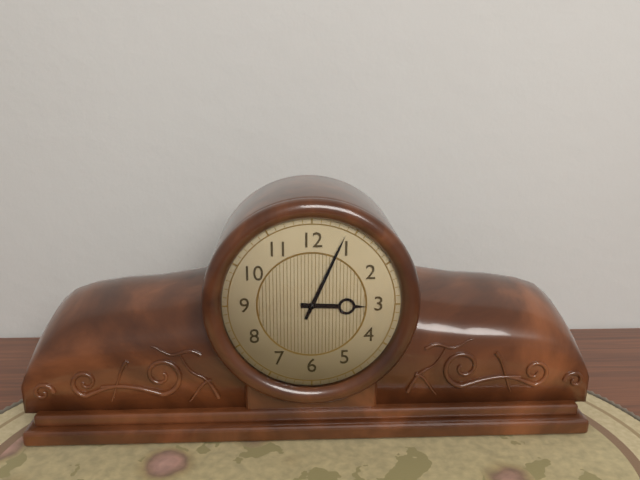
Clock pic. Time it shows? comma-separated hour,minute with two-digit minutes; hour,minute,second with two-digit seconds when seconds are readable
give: 3,04
